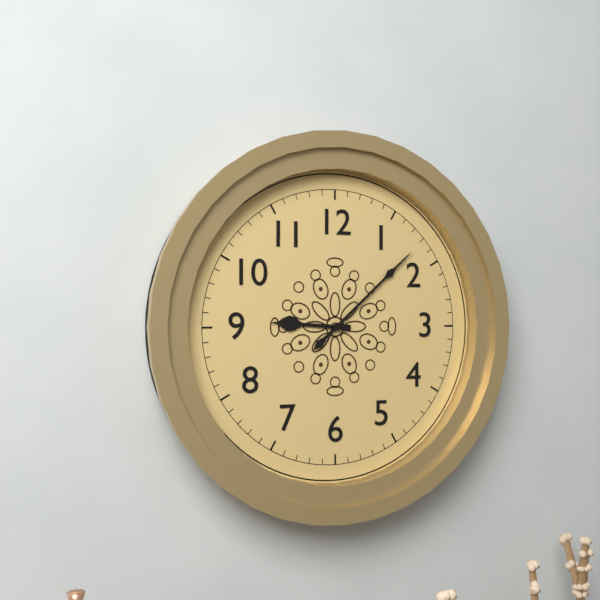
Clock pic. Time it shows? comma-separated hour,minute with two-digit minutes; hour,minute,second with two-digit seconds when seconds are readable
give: 9,08
